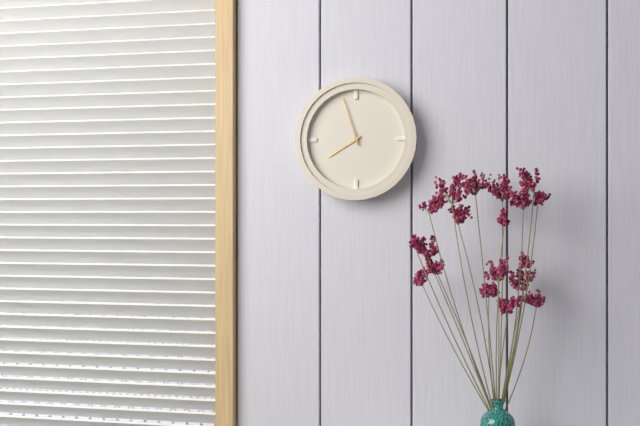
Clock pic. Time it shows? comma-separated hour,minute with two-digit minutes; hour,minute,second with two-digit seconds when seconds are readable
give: 7,57
